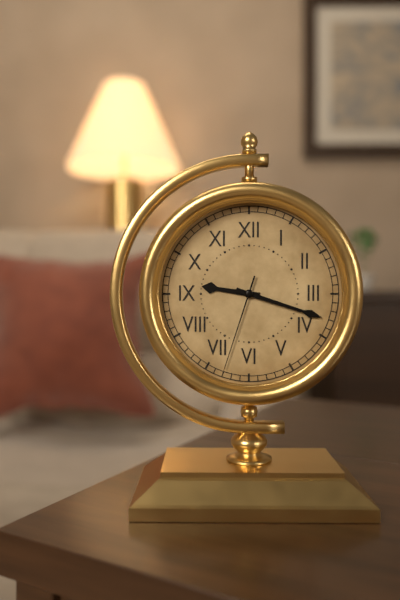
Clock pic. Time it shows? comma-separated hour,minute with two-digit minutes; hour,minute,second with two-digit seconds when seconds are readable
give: 9,18,33
